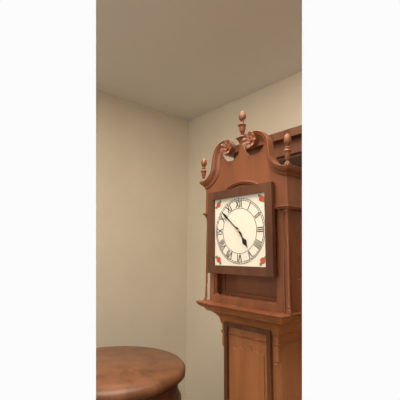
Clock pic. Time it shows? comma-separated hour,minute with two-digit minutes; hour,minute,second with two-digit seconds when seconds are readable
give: 4,52
